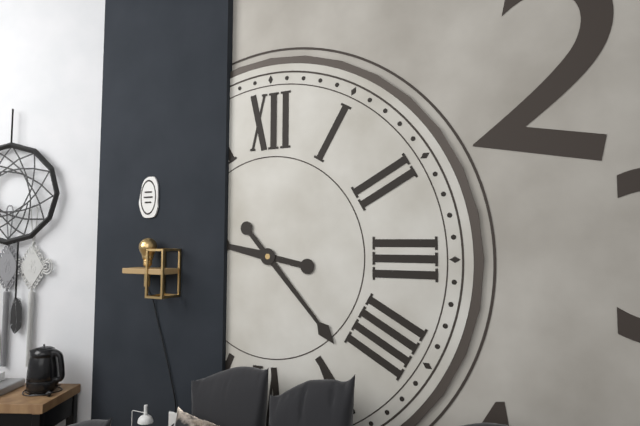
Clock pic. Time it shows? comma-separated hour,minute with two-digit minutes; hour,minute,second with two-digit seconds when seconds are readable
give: 9,23
